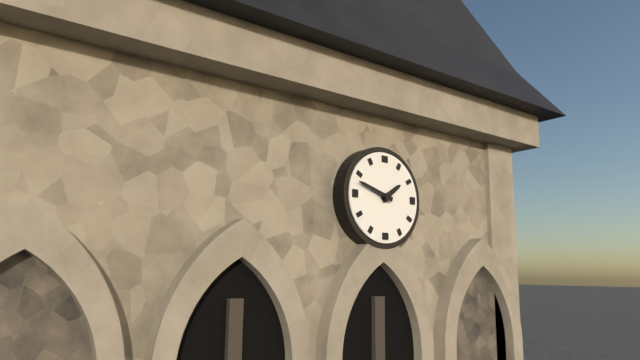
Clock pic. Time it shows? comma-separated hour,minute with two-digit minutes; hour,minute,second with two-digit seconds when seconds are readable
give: 1,48
